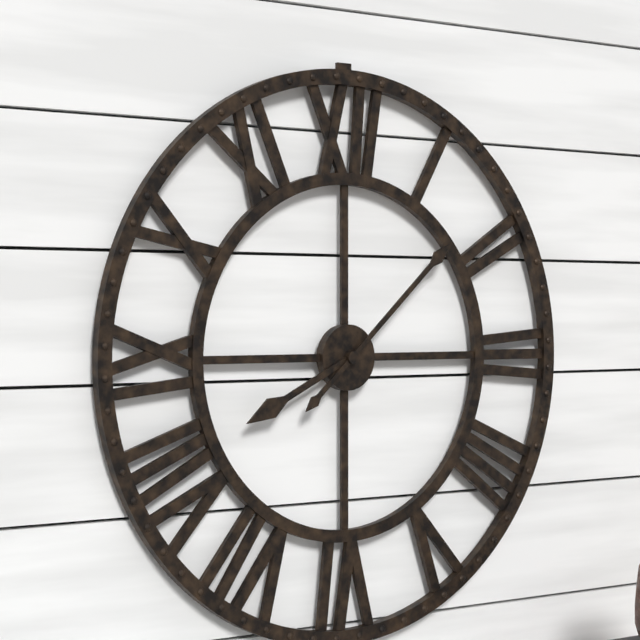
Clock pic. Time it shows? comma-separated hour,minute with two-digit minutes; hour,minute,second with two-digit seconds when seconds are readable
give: 8,08
